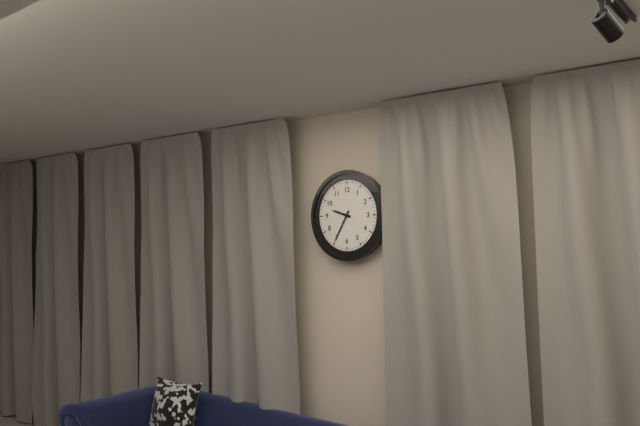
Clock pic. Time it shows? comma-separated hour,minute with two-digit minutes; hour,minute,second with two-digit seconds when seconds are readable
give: 9,35
